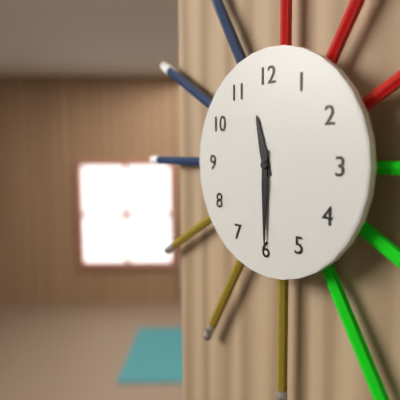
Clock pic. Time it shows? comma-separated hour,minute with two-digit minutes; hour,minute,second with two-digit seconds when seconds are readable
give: 11,30
